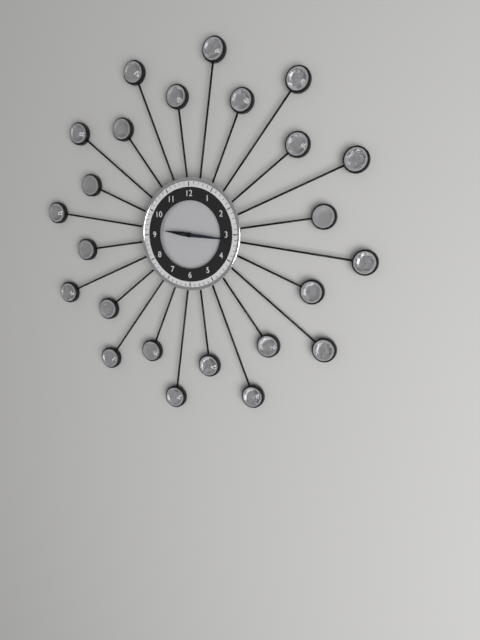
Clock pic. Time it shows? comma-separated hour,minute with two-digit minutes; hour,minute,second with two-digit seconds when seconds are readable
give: 9,16
